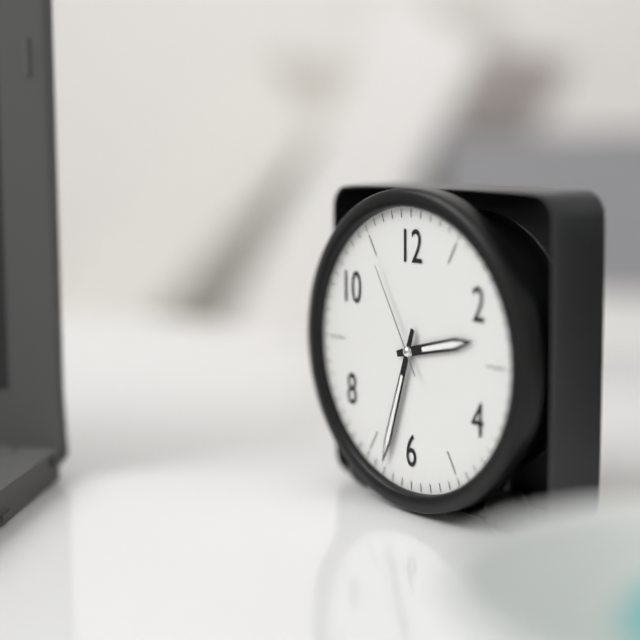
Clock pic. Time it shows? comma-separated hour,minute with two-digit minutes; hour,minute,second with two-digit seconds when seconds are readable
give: 2,33,55
